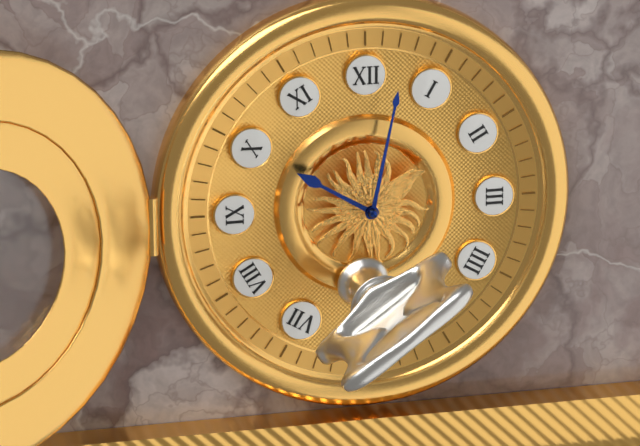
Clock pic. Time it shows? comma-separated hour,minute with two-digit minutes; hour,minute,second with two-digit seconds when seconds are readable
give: 10,02
